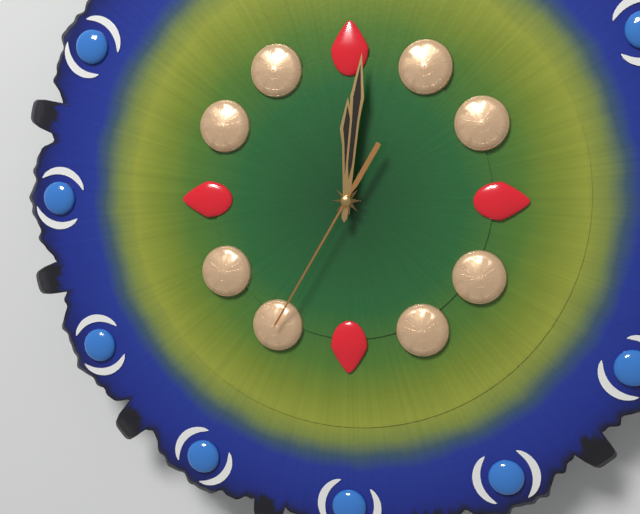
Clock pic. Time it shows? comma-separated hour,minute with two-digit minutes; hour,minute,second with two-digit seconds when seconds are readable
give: 12,01,35
